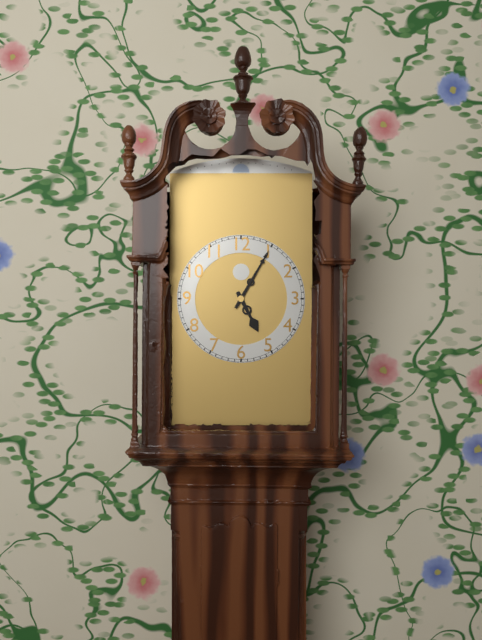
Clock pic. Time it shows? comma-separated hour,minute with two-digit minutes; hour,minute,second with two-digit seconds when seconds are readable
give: 5,05
